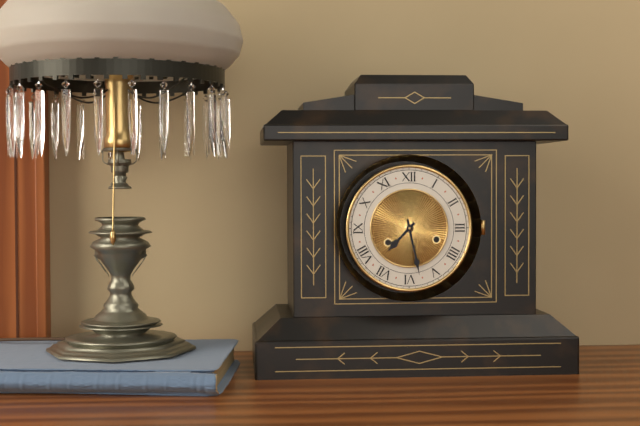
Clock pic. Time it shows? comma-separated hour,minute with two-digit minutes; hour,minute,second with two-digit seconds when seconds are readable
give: 7,28
